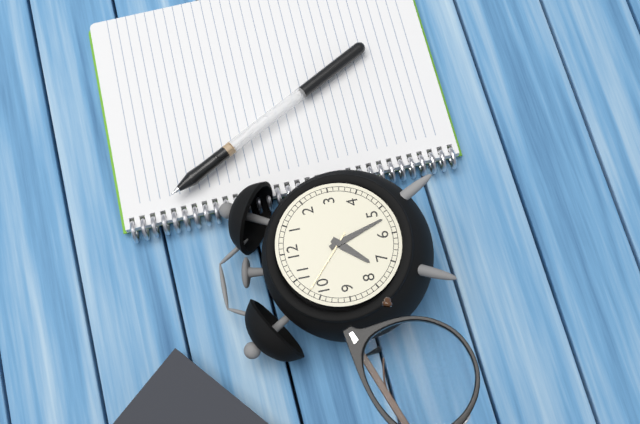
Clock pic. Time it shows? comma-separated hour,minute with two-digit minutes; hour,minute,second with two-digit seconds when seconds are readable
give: 7,27,52
